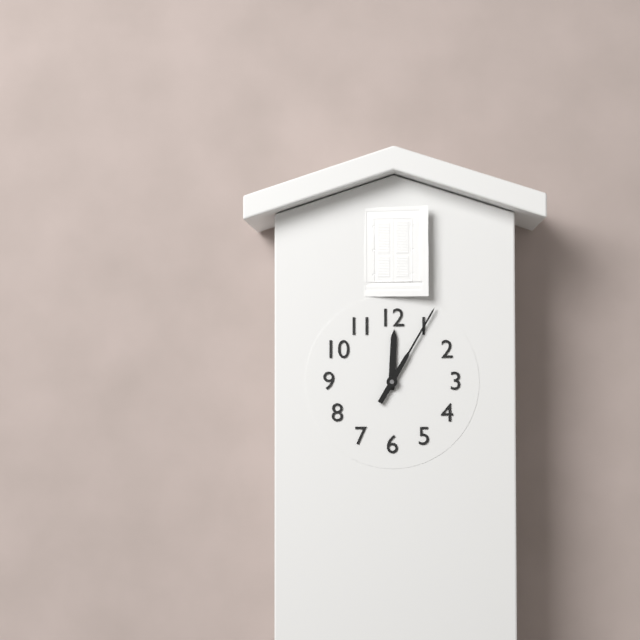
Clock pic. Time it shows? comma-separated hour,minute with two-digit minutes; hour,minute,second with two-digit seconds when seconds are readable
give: 12,05
